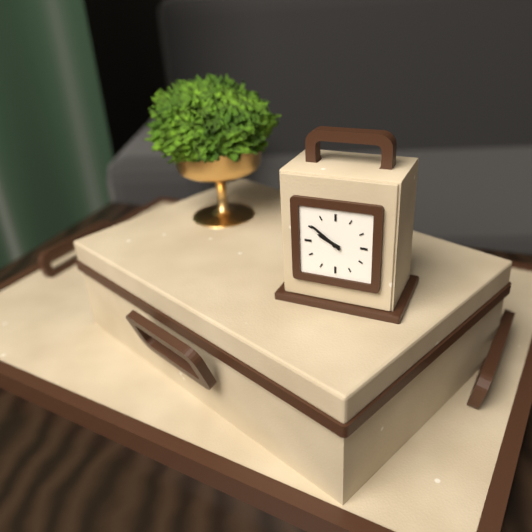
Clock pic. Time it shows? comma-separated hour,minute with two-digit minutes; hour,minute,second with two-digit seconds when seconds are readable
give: 9,51
